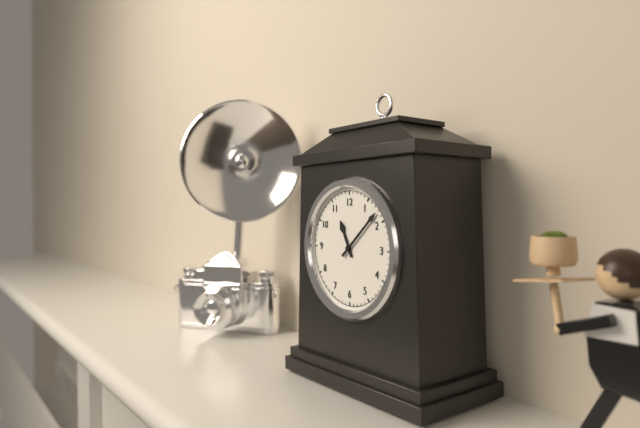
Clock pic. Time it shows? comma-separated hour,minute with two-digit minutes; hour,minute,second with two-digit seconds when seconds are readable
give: 11,08
